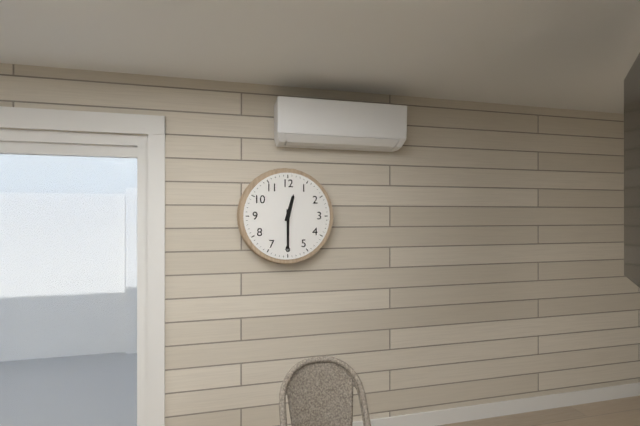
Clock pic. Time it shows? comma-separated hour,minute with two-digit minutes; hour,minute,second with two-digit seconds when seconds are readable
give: 12,30
